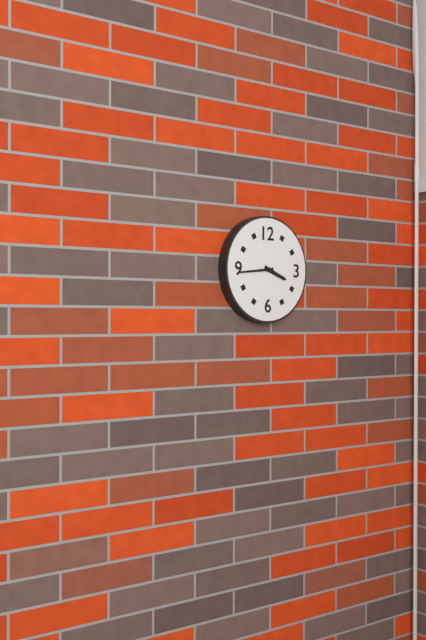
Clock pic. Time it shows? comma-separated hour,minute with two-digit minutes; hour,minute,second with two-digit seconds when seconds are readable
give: 3,44
